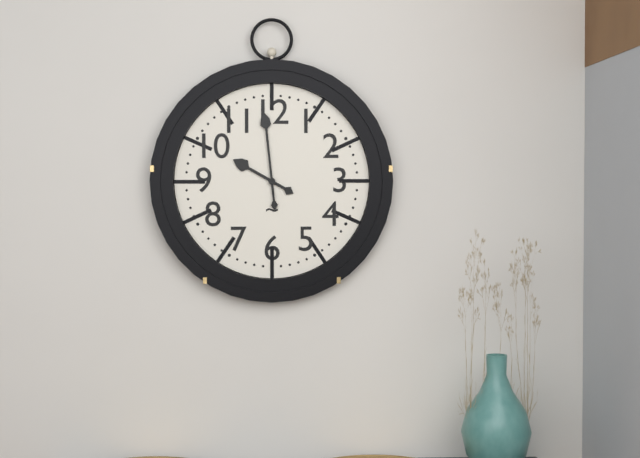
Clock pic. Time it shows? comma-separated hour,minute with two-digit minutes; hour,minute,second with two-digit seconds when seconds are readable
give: 9,59
